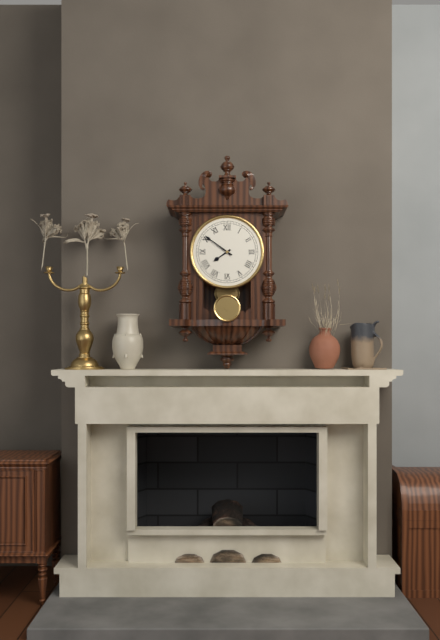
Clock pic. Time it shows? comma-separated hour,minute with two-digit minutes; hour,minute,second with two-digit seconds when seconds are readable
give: 7,51
